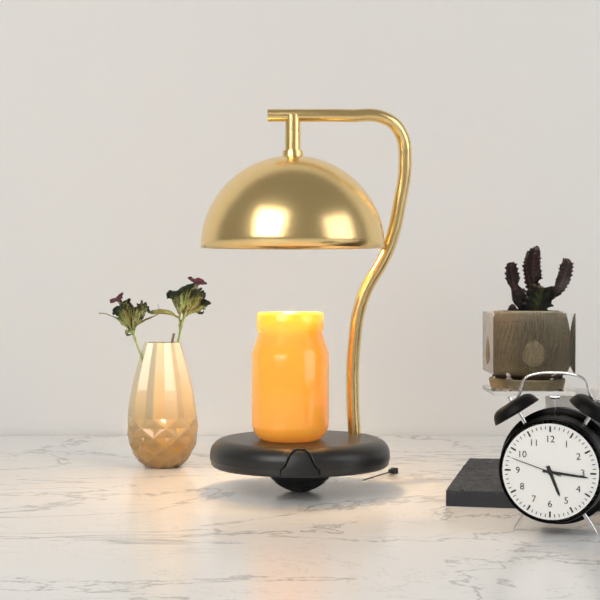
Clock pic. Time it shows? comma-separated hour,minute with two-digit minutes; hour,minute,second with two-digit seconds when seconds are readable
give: 5,16,48
